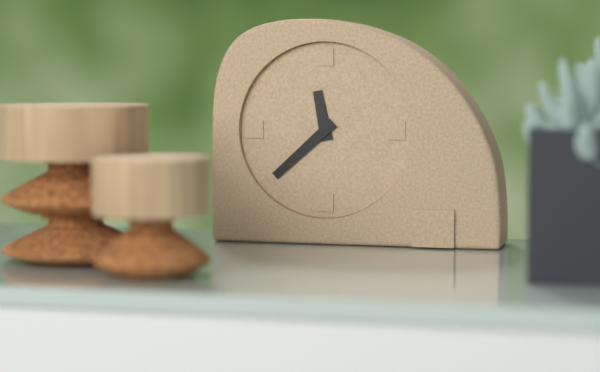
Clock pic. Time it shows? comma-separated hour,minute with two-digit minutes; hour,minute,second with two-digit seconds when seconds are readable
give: 11,38
